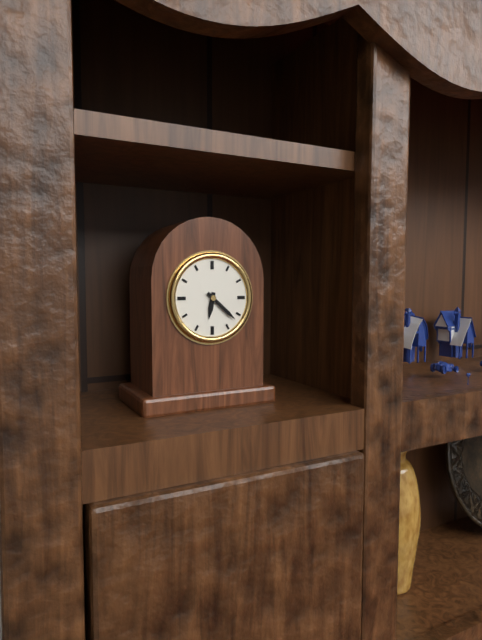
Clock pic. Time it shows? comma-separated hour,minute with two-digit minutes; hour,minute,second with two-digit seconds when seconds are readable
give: 6,22
